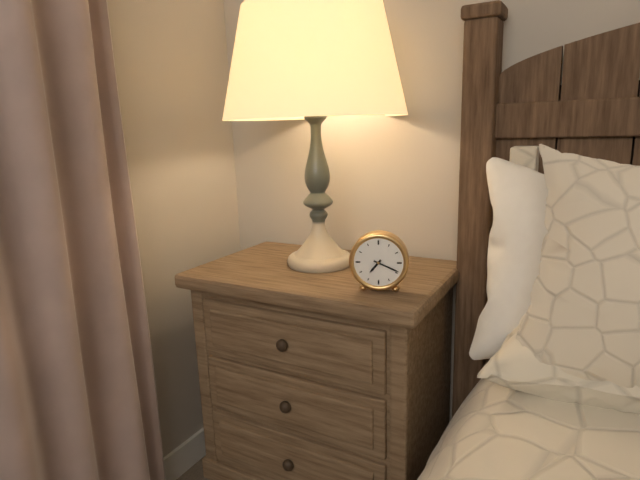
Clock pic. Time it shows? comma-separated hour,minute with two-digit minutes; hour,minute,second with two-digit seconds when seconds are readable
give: 7,19
